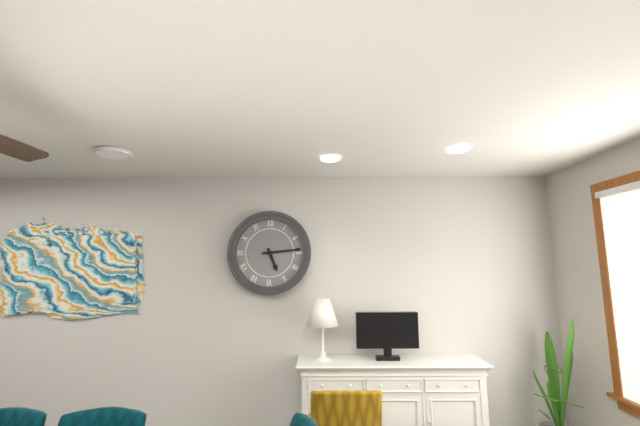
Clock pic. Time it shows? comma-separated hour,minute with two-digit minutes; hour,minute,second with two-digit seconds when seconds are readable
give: 5,14
